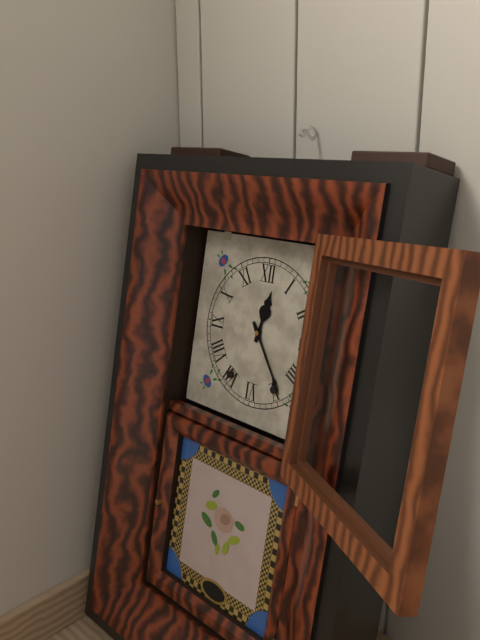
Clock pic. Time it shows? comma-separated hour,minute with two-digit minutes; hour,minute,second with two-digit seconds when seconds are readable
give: 12,24
